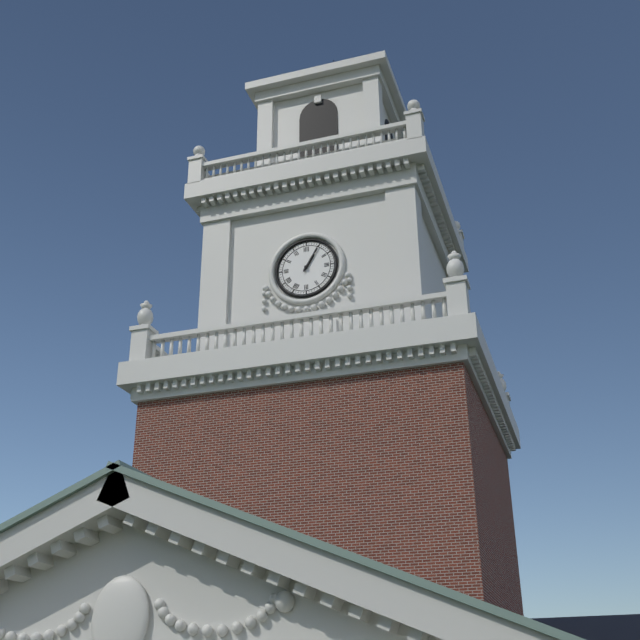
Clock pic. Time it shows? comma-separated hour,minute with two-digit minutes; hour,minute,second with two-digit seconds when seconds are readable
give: 1,05
